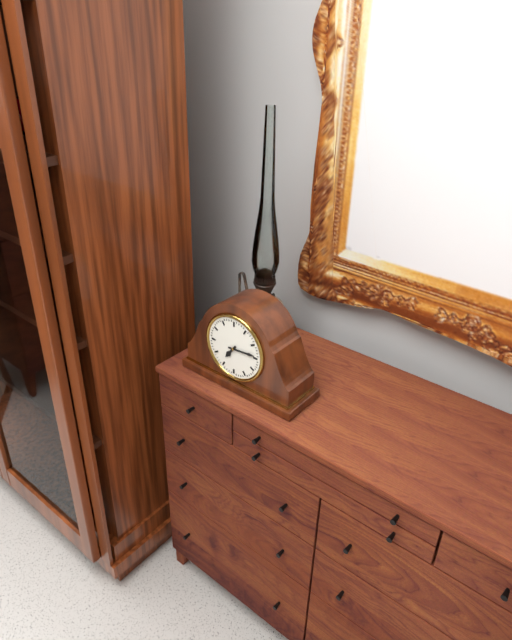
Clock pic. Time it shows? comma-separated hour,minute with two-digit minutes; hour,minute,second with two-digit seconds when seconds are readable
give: 7,14
